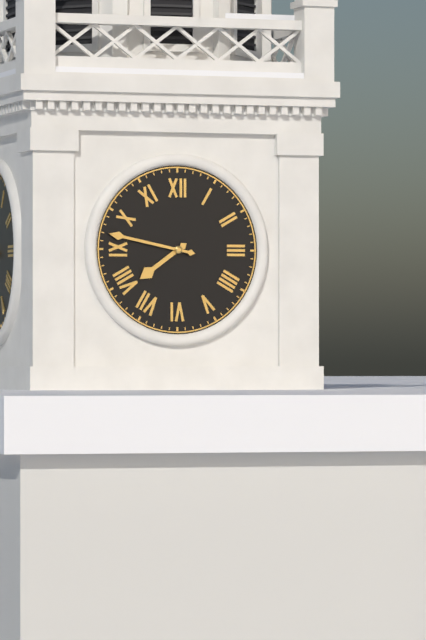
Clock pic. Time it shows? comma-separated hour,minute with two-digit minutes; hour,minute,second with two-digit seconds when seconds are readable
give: 7,47
